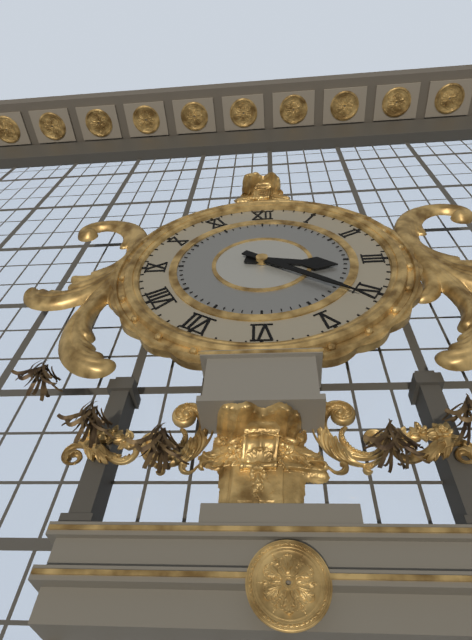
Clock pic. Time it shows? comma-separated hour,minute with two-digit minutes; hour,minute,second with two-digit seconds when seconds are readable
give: 3,21
